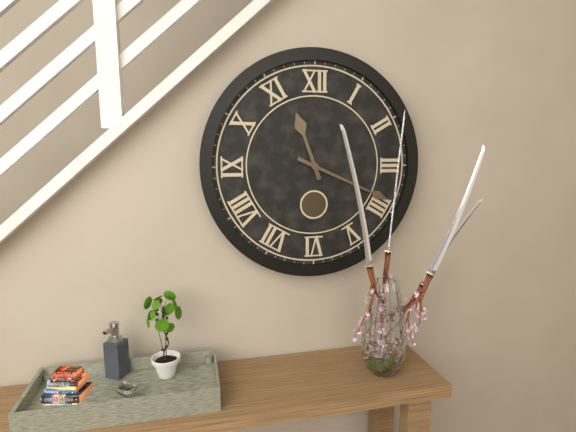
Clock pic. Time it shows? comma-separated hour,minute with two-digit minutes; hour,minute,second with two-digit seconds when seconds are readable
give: 11,19
